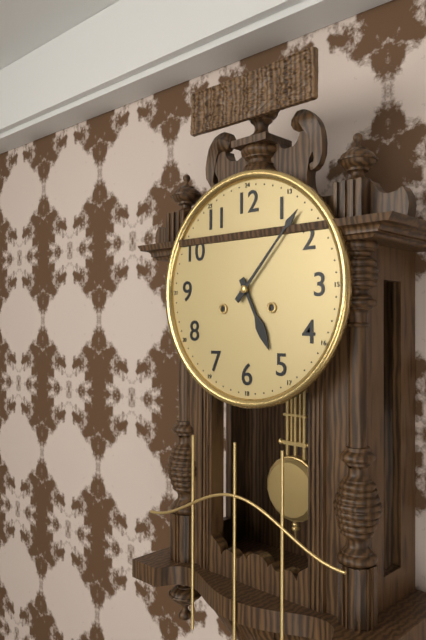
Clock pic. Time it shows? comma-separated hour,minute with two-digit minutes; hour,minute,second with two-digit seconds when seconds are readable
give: 5,07
